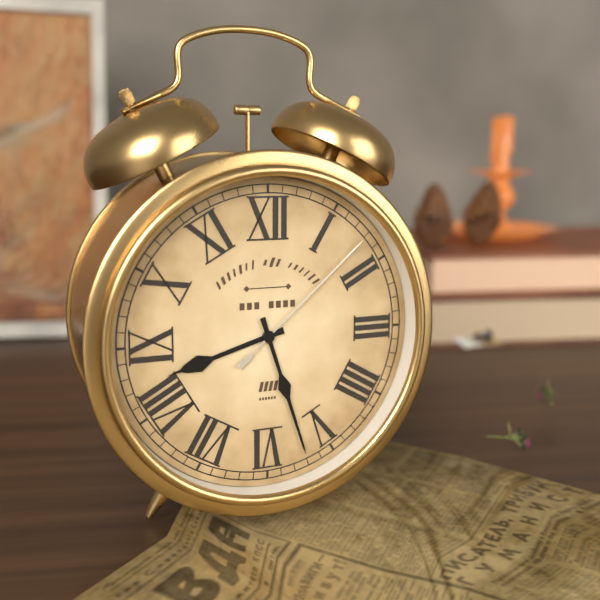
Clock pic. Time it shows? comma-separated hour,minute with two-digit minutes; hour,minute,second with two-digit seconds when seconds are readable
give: 8,27,08
